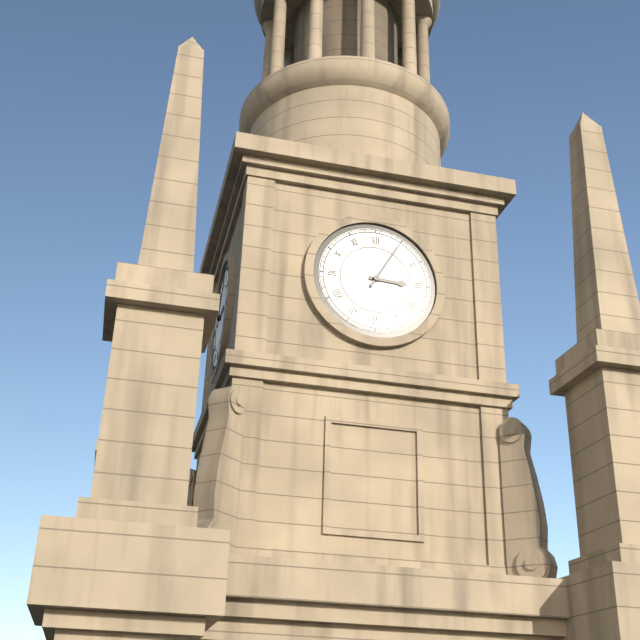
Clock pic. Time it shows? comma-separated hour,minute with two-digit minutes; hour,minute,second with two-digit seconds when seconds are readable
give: 3,05
